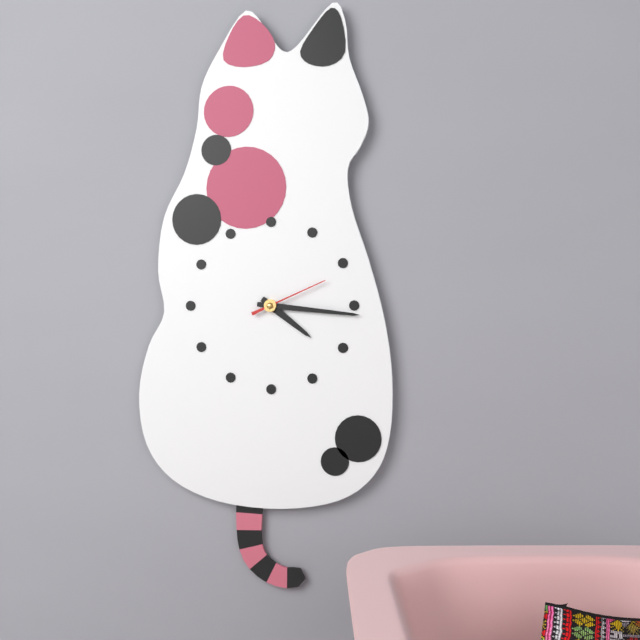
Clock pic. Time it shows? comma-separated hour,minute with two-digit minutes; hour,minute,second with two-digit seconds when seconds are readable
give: 4,16,11
